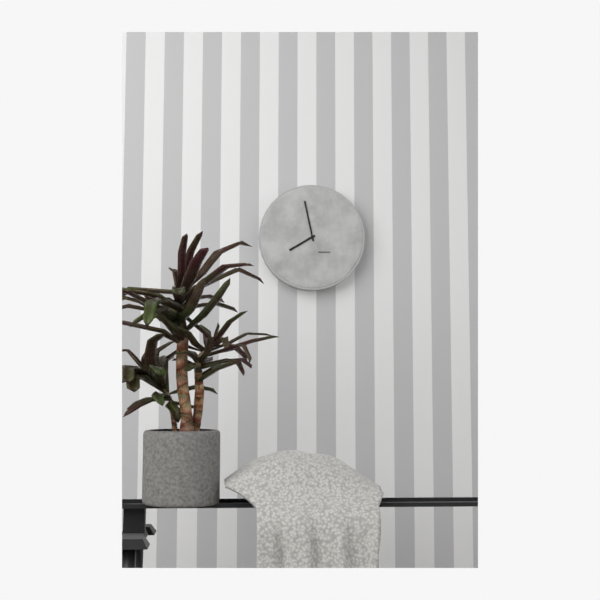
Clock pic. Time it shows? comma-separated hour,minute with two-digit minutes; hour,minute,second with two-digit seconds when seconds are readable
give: 7,58
